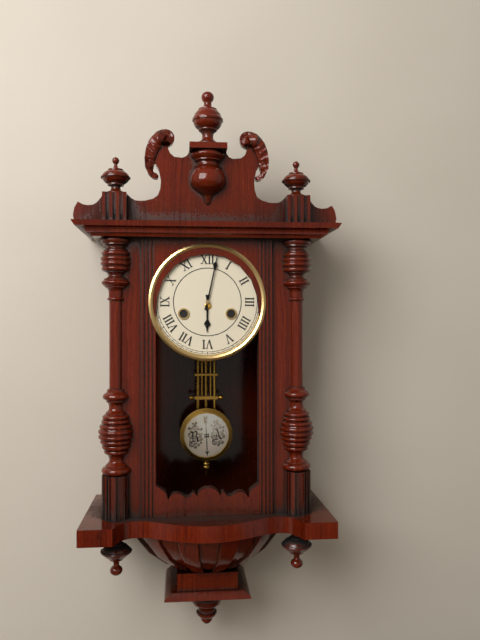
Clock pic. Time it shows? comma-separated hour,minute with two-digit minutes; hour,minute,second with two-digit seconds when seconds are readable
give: 6,02
